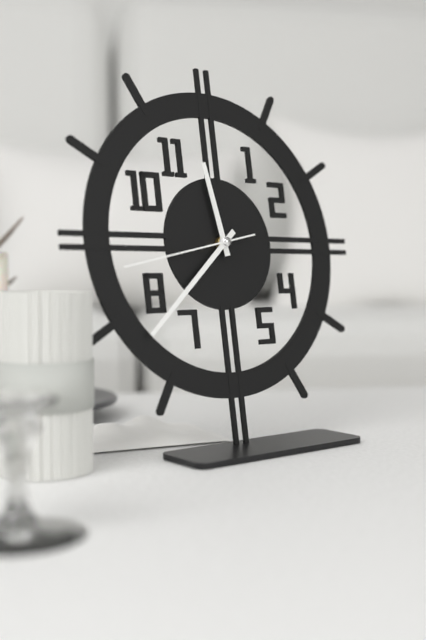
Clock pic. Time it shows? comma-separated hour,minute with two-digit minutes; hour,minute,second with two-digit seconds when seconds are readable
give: 11,38,43
